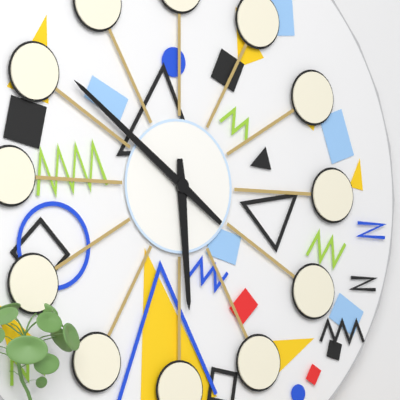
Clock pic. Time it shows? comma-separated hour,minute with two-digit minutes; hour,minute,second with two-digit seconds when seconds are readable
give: 5,51
